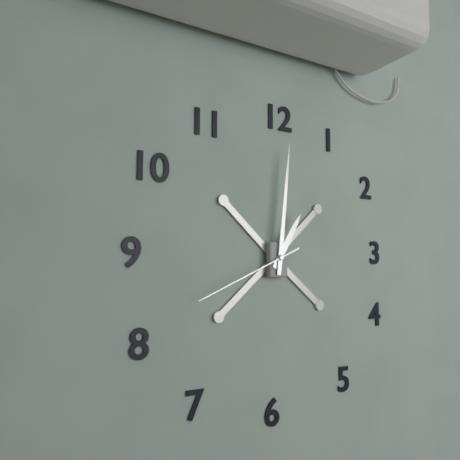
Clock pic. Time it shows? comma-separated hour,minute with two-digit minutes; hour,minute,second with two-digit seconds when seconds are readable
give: 1,01,41
